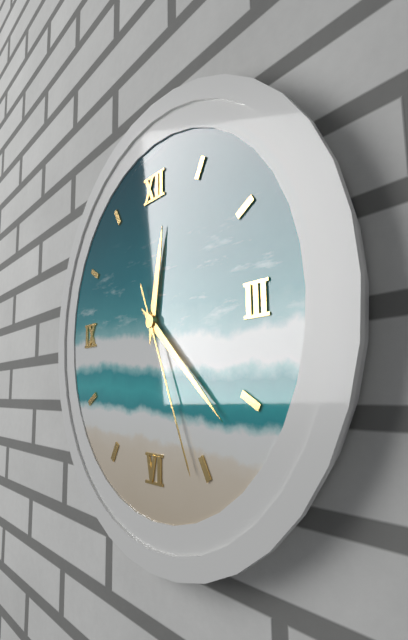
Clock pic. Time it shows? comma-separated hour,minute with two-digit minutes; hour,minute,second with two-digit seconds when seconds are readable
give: 12,22,26
